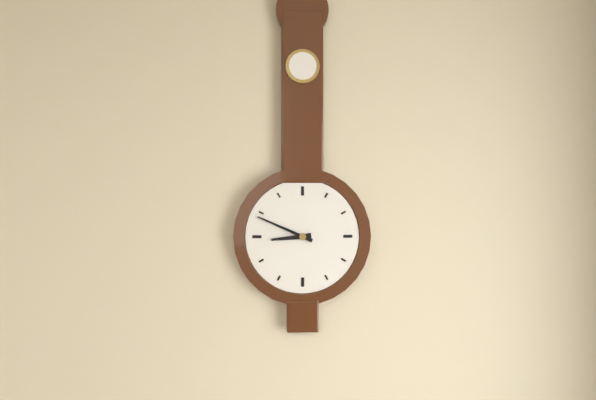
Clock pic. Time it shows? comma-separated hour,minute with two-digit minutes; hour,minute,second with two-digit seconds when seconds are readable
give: 8,49
